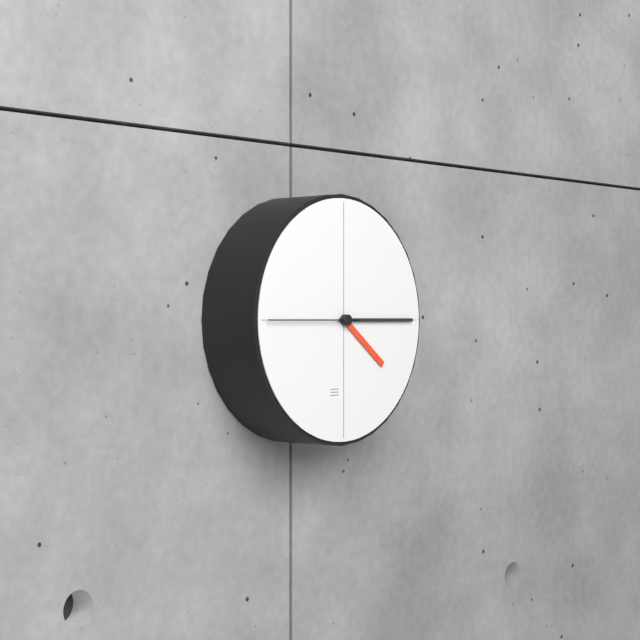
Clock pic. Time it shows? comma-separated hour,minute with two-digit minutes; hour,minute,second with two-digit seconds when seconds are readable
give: 4,15,45
